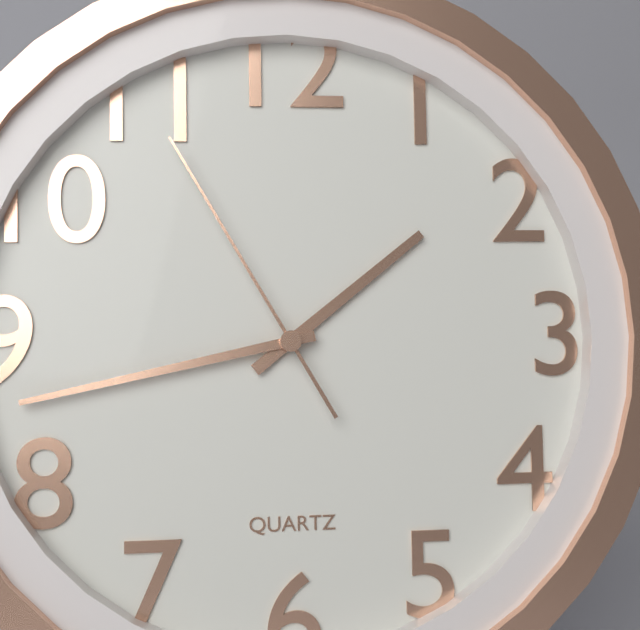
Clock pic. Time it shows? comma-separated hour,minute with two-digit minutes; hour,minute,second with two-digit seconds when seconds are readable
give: 1,43,55
